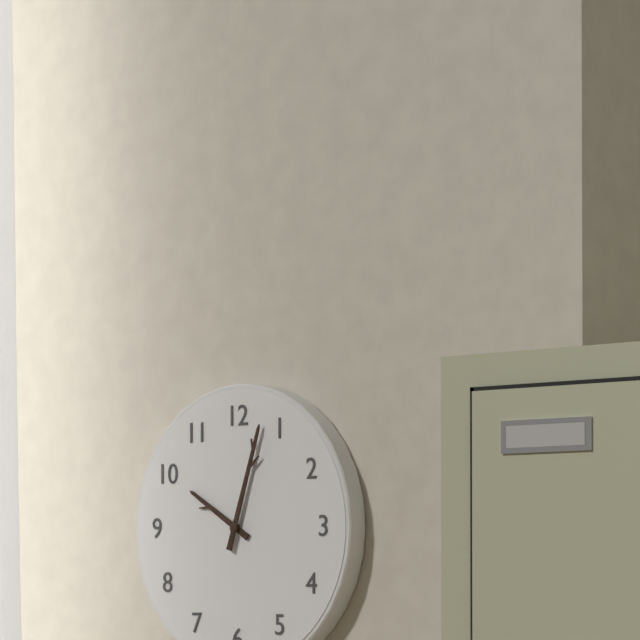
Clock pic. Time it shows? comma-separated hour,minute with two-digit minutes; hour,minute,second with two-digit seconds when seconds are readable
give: 10,03
